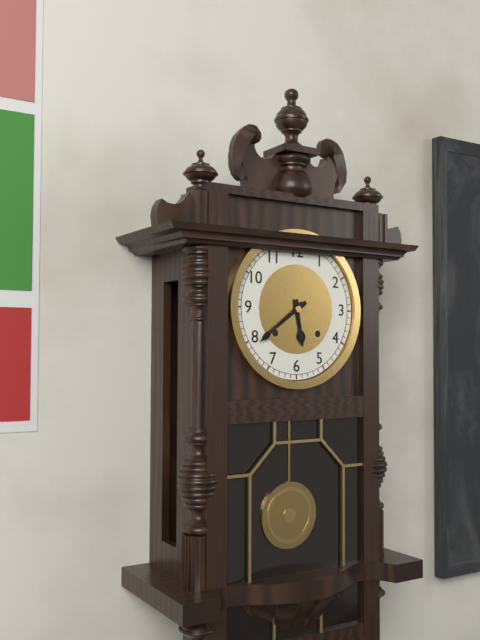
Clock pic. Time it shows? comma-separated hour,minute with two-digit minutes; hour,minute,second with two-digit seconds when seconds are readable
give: 5,39
